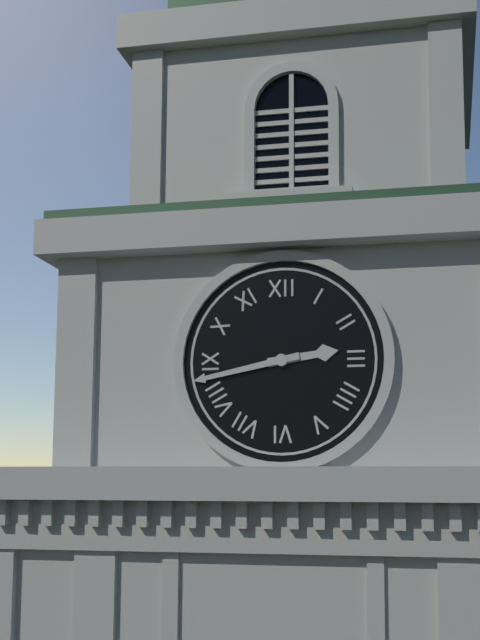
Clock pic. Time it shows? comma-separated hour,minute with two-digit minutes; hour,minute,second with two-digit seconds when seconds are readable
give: 2,43
